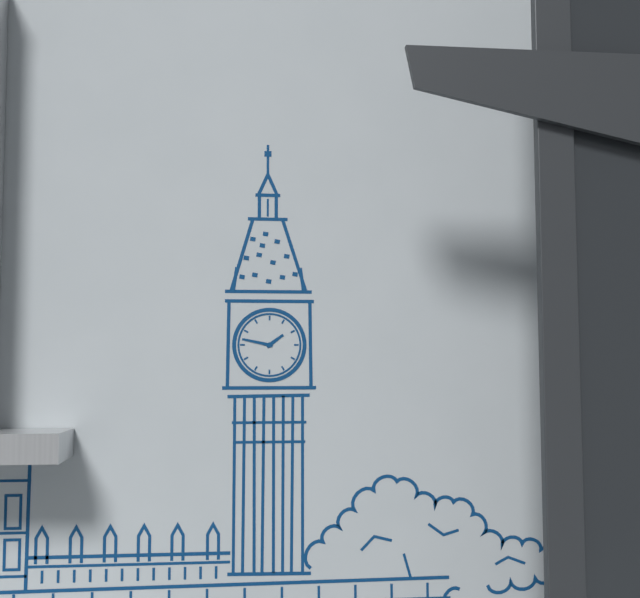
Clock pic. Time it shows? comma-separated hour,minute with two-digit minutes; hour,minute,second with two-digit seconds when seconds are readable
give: 1,47
